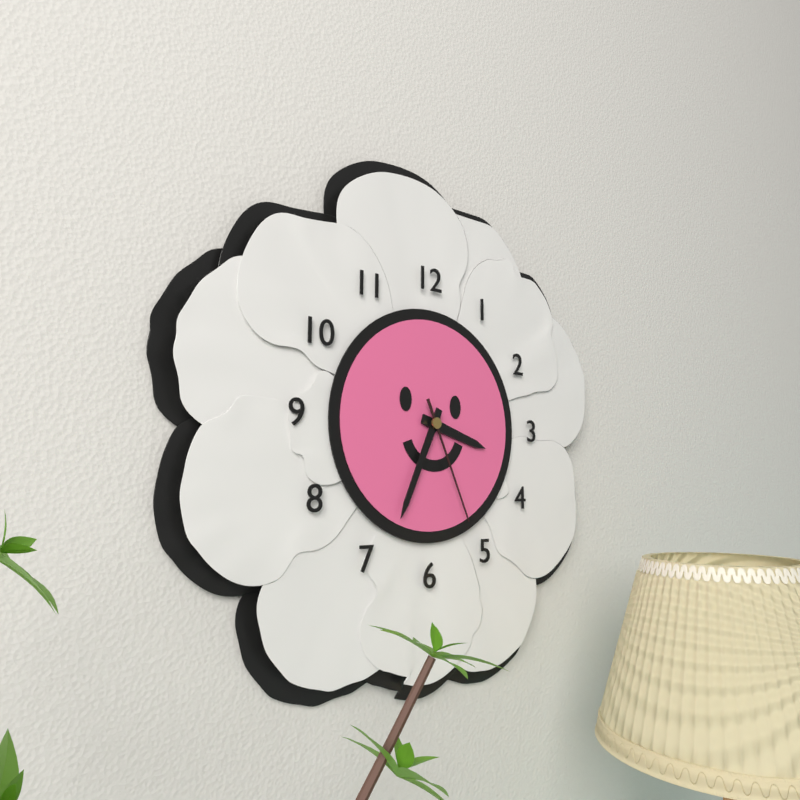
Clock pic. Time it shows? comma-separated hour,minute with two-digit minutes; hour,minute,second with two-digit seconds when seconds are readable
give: 3,34,26
